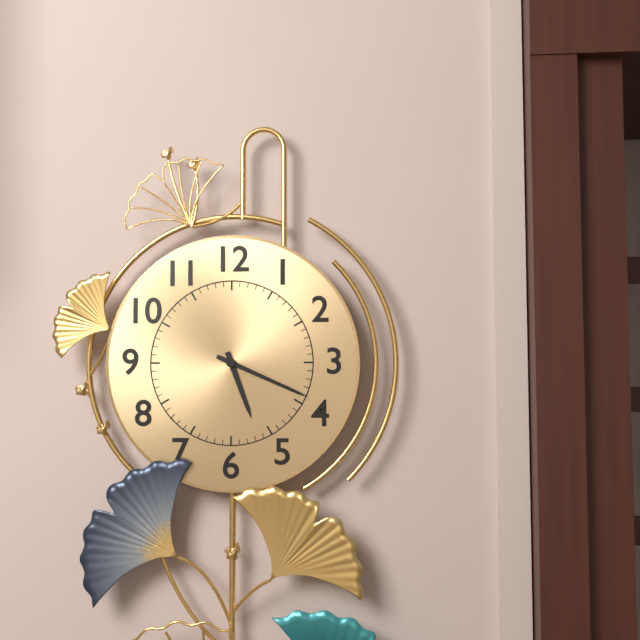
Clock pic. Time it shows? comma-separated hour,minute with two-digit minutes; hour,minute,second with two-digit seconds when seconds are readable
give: 5,19
